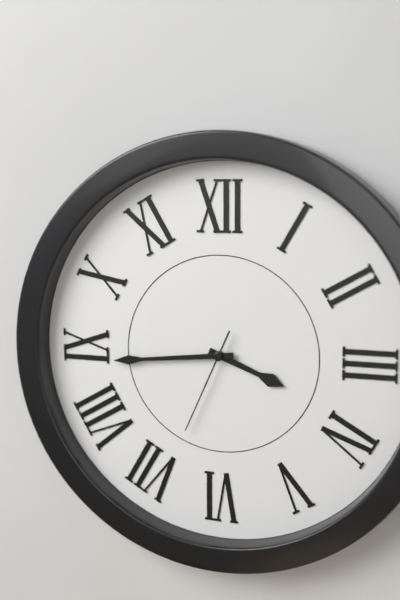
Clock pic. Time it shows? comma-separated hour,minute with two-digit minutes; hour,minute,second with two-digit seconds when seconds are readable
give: 3,44,34
